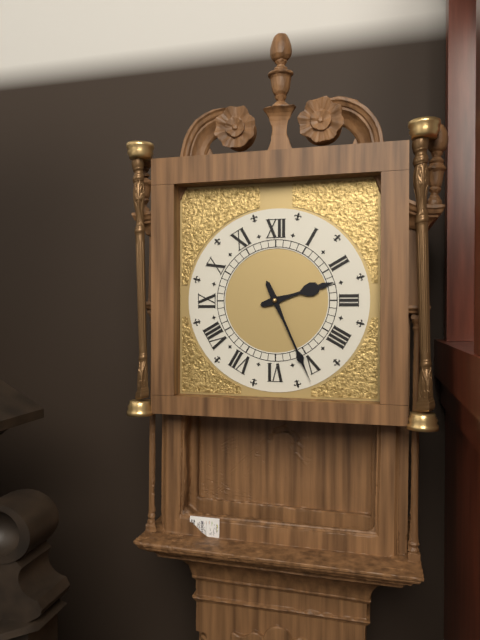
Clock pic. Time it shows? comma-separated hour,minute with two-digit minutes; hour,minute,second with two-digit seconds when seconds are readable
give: 2,26
